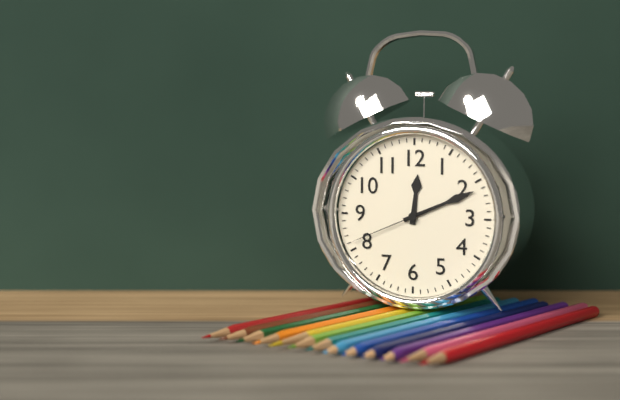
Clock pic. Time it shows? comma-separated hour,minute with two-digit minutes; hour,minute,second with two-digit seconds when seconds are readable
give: 12,11,41
